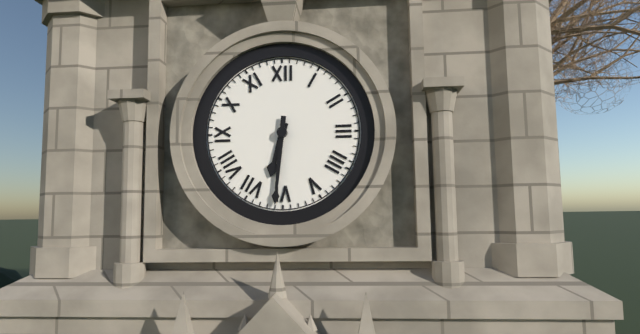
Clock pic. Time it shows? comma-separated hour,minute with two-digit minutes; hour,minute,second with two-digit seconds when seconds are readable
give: 6,31
